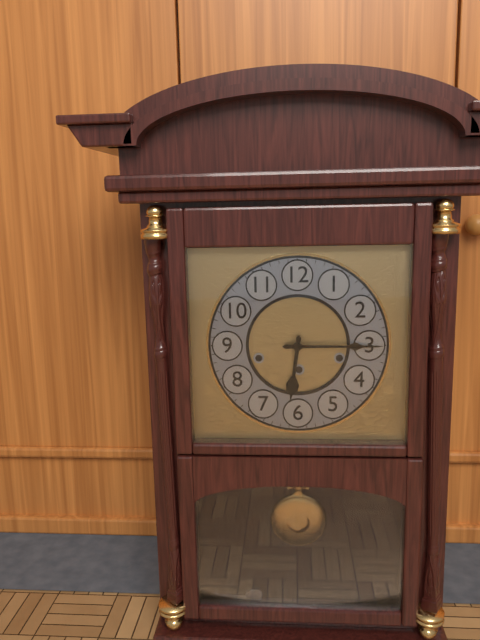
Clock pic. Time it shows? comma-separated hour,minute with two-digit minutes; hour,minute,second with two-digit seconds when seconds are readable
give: 6,15
